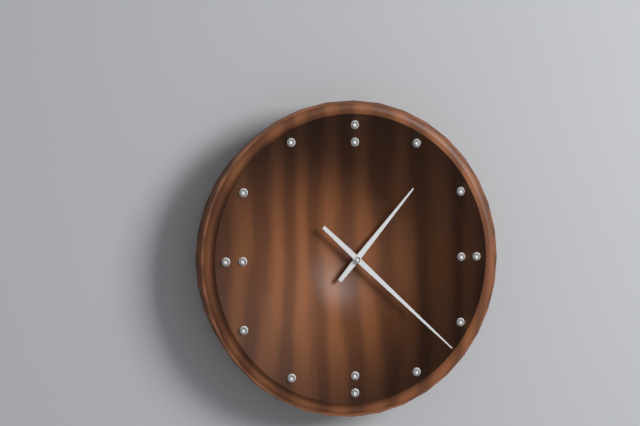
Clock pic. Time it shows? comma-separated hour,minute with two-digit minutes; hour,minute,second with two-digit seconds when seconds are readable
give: 1,22
